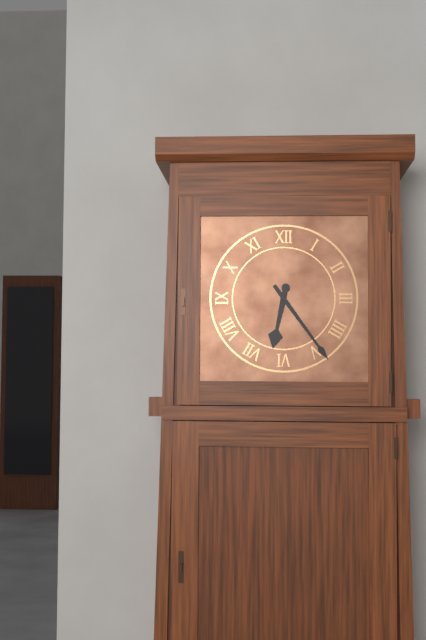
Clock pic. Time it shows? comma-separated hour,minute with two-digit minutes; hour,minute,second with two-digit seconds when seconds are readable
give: 6,24
